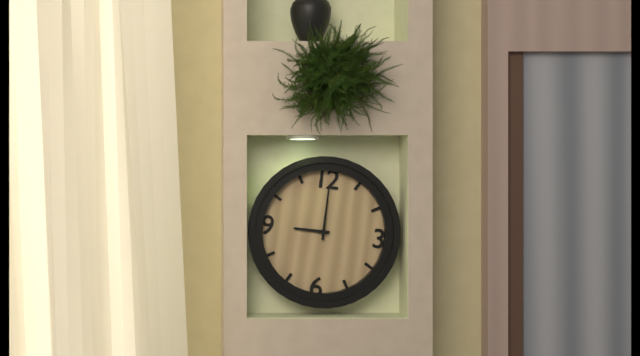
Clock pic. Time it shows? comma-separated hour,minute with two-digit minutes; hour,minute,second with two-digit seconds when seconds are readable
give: 9,00
